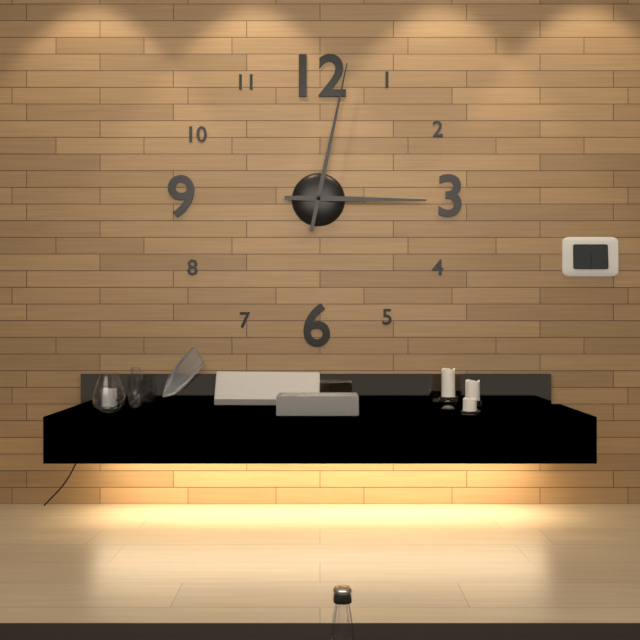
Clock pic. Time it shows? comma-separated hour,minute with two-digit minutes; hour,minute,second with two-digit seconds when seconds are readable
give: 3,02
